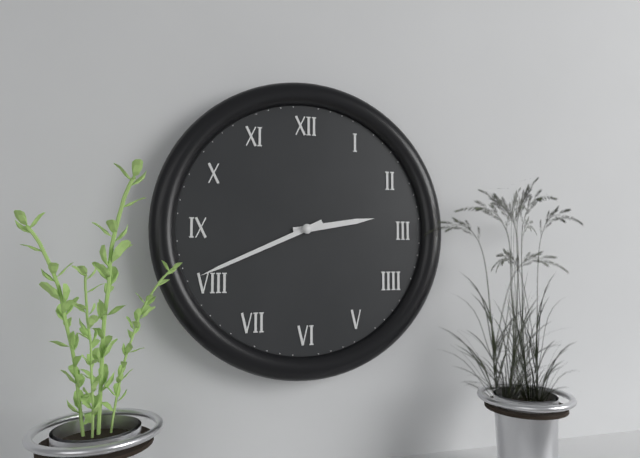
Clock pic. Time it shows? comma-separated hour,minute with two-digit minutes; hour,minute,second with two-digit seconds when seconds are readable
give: 2,41
